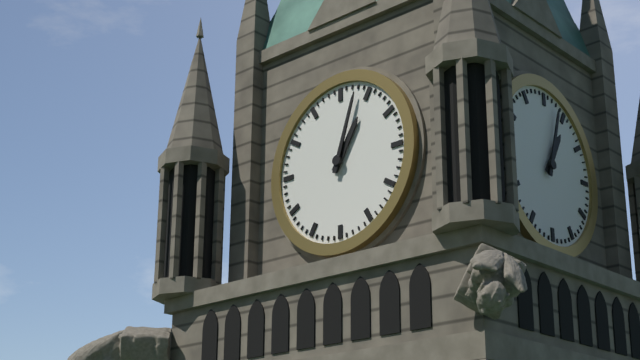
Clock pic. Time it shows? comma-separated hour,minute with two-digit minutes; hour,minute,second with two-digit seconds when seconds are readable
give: 1,03
